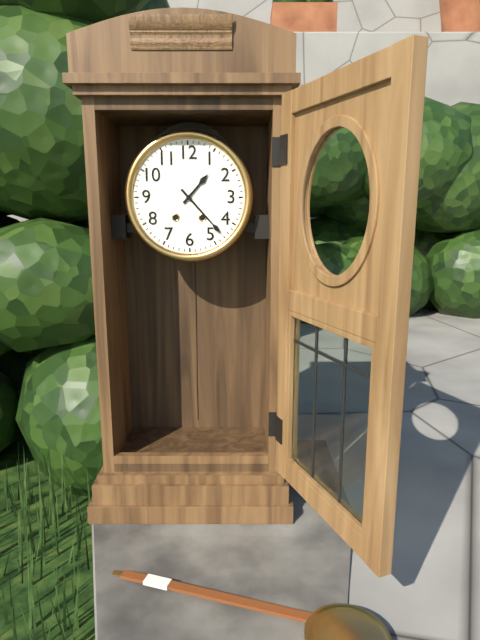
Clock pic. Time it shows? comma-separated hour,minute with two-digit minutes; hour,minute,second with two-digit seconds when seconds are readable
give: 1,23
